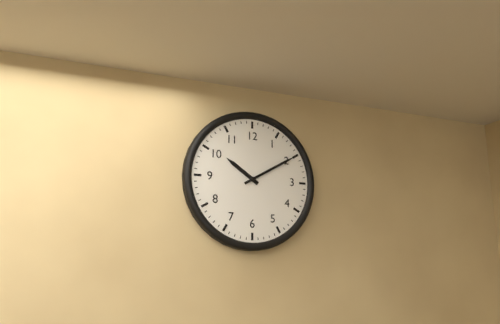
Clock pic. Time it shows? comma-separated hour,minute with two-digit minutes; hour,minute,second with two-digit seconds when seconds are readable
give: 10,10
